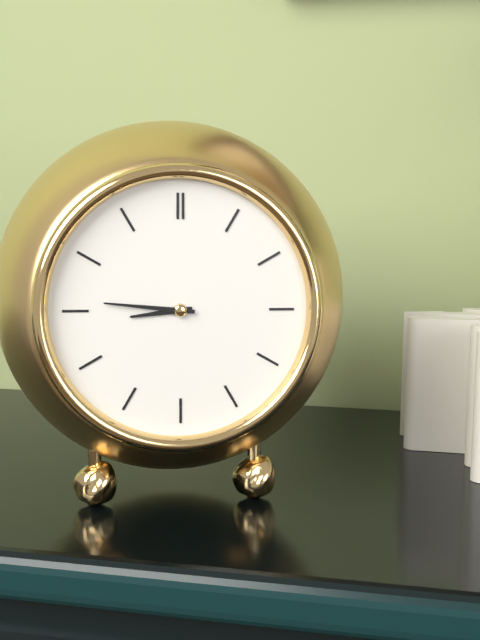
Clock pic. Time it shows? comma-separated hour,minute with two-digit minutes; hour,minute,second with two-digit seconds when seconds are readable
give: 8,46
